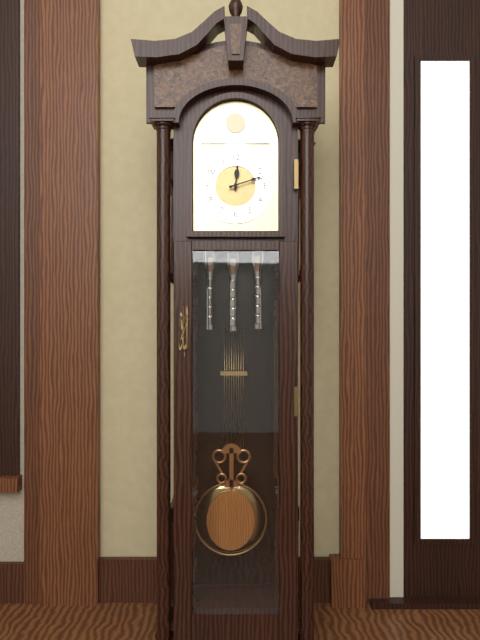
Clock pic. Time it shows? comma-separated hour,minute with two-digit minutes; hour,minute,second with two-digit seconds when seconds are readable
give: 12,12
